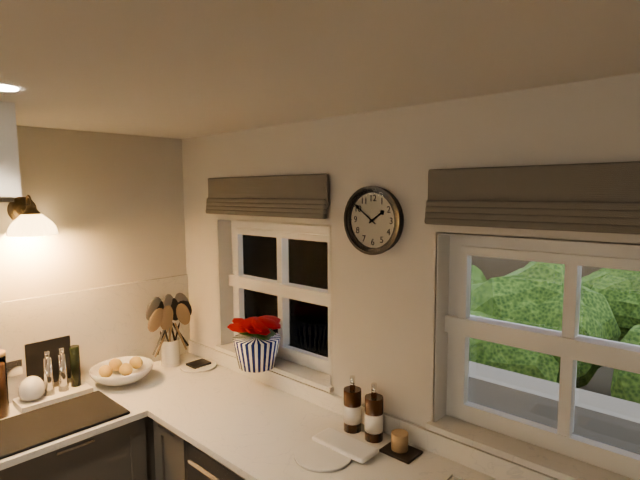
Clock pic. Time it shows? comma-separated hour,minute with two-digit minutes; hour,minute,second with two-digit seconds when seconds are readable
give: 1,51
